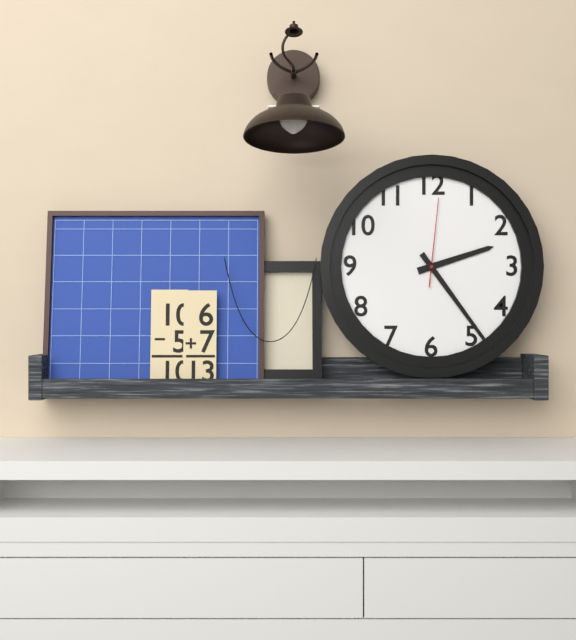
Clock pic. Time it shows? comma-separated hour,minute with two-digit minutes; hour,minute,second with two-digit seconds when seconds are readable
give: 2,24,01
